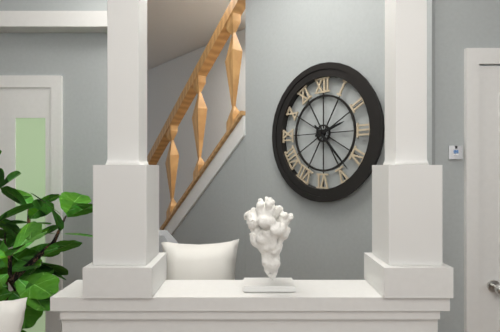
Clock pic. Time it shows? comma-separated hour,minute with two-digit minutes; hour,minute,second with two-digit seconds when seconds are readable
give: 2,23
